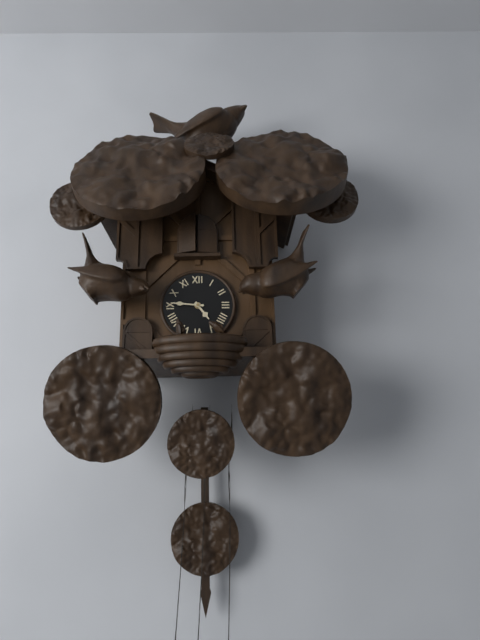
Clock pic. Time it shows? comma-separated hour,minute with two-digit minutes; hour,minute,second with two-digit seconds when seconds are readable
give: 4,46
